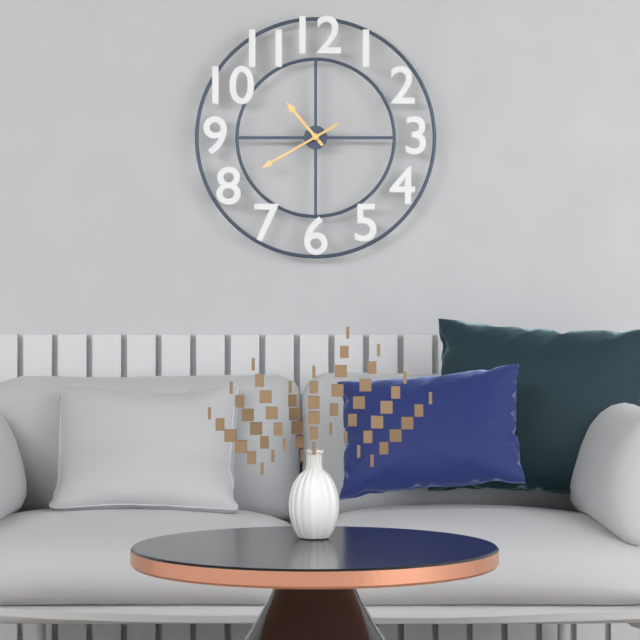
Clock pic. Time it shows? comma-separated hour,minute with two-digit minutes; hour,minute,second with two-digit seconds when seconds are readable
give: 10,40
